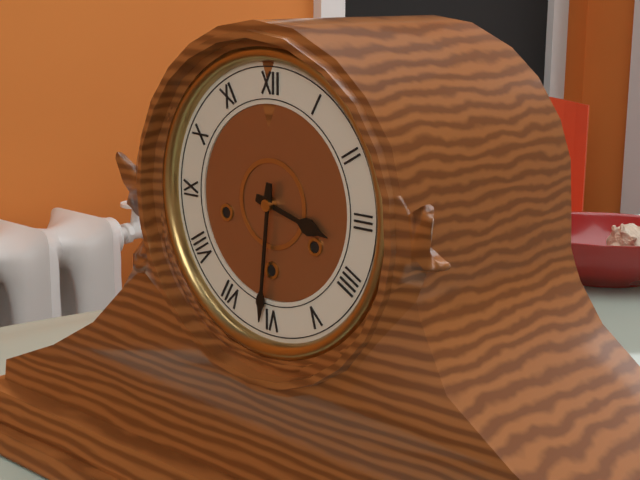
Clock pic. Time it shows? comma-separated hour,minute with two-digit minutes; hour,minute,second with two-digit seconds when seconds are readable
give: 3,31
